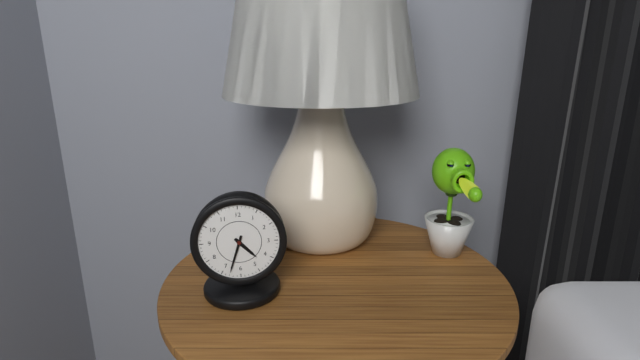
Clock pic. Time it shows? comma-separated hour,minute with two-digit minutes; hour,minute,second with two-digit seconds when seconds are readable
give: 4,33
